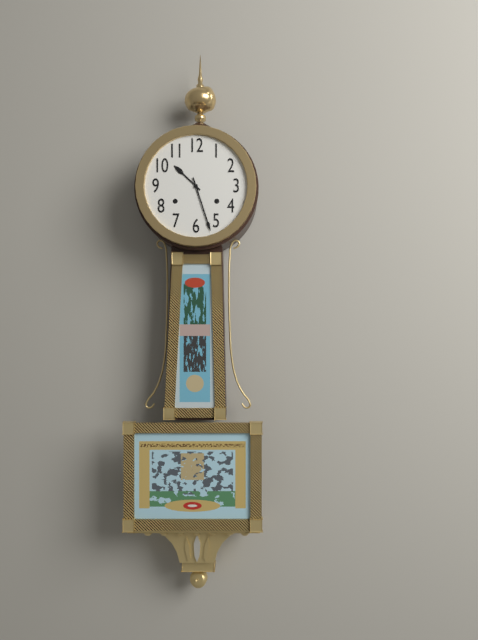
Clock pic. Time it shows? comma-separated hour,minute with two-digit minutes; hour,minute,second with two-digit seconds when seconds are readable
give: 10,27
